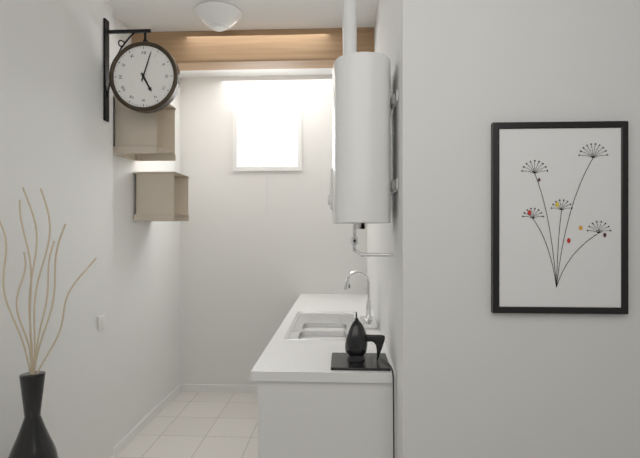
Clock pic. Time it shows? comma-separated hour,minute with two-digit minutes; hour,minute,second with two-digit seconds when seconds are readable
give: 5,03
